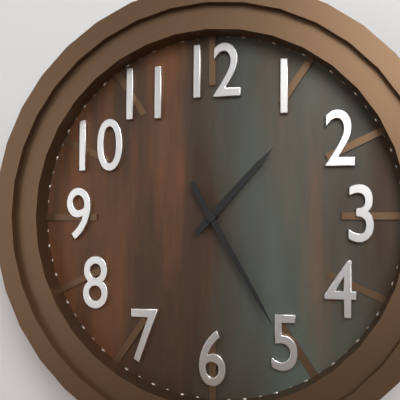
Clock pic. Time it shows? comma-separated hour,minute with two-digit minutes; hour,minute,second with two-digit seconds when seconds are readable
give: 1,25
